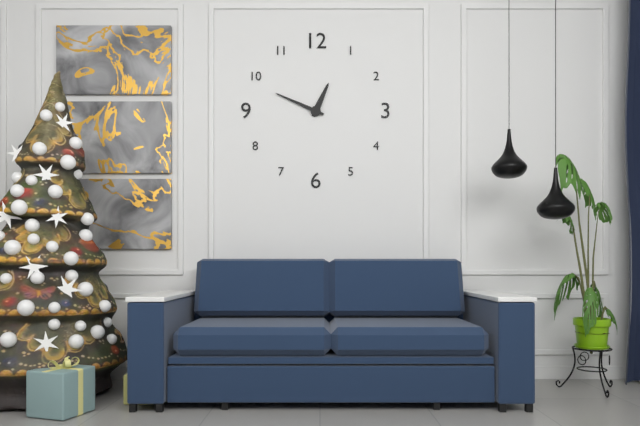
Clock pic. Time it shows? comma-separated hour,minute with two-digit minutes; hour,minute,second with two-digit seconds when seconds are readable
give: 12,49
